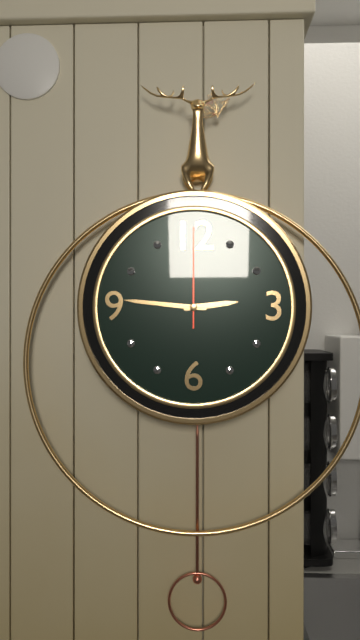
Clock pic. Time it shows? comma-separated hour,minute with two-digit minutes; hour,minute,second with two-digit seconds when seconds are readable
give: 2,46,00
